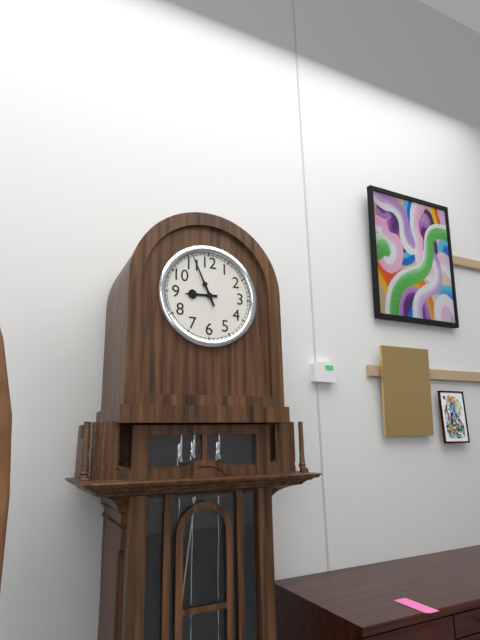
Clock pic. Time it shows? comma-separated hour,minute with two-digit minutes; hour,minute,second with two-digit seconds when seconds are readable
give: 8,56
